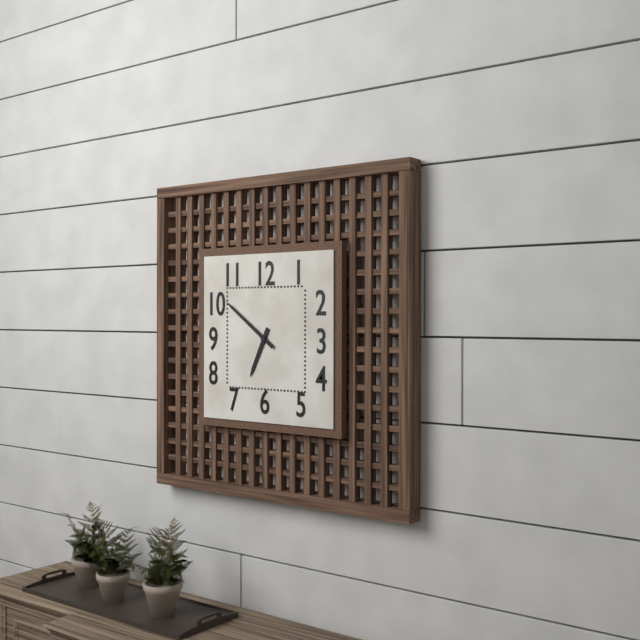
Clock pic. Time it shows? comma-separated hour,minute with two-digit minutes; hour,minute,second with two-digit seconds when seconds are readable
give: 6,51
